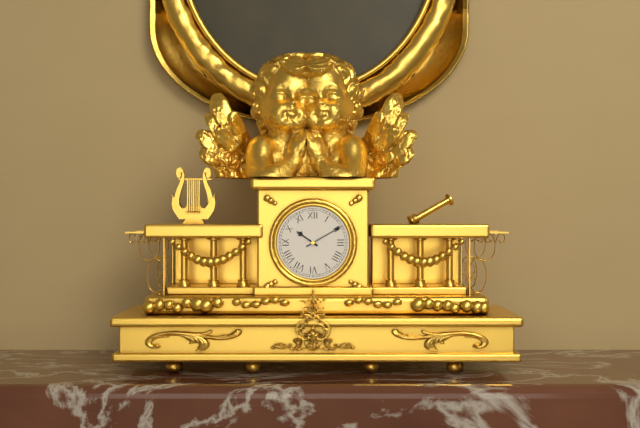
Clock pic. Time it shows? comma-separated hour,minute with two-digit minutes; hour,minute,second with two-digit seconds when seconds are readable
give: 10,10
